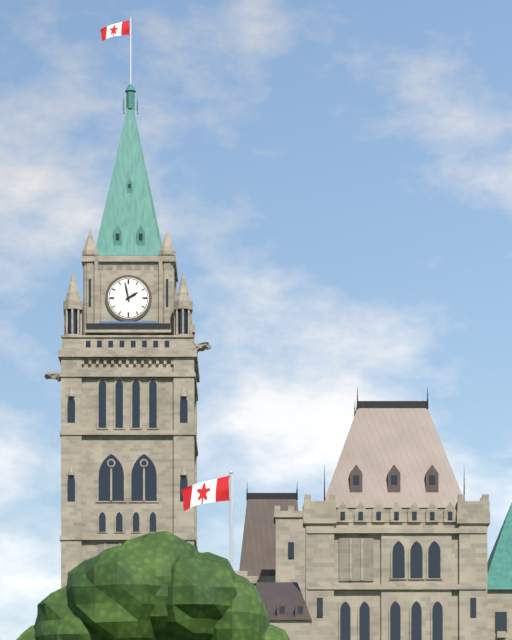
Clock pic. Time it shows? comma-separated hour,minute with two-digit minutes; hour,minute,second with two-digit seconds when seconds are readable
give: 1,58
